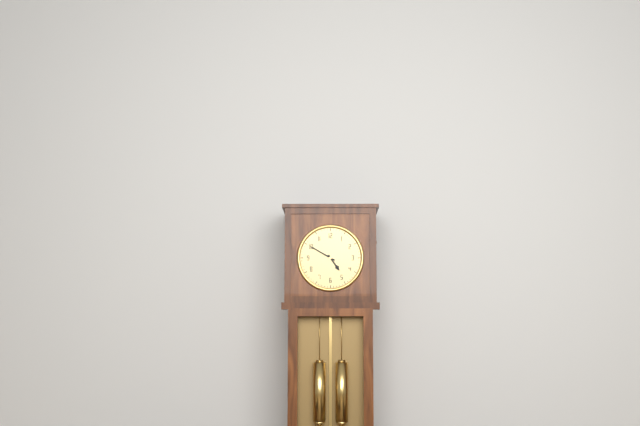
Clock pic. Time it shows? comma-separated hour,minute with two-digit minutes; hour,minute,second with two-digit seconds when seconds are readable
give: 4,50
